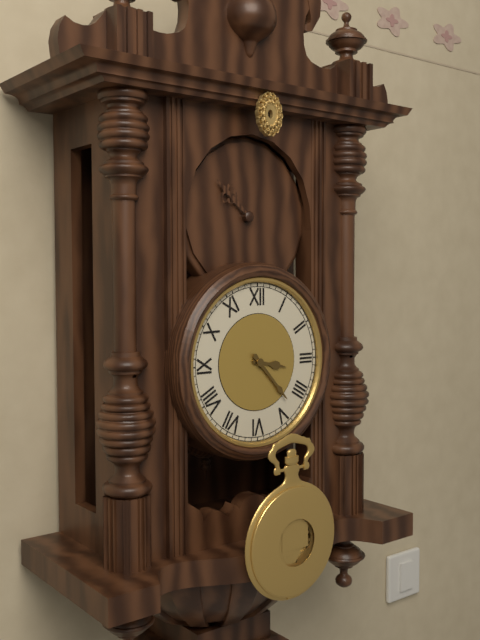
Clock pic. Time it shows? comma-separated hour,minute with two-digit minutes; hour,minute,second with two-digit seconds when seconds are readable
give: 3,23
